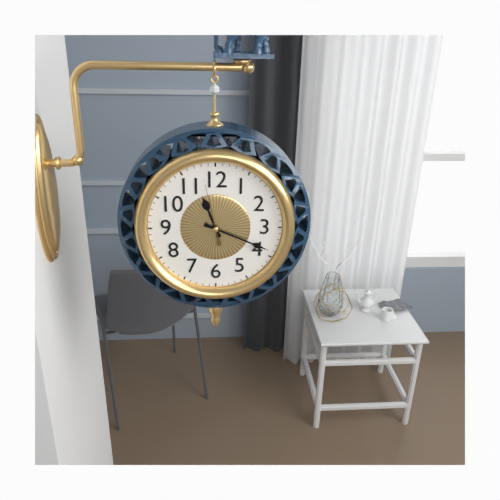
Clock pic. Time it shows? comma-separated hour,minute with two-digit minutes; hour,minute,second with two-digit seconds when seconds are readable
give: 11,19,58
